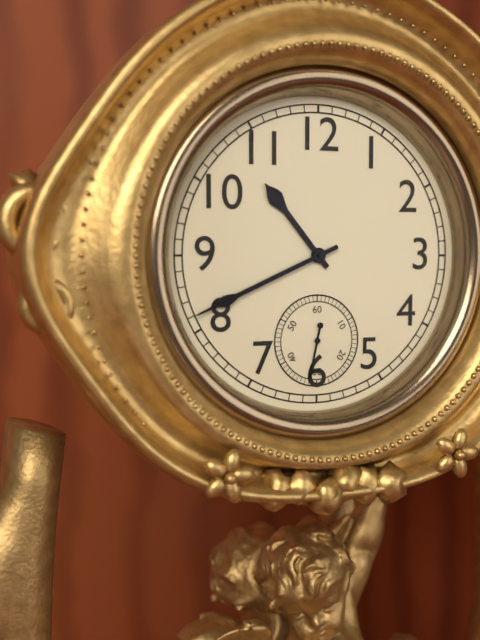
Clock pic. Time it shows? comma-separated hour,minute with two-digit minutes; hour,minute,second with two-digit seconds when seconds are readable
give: 10,41,32
